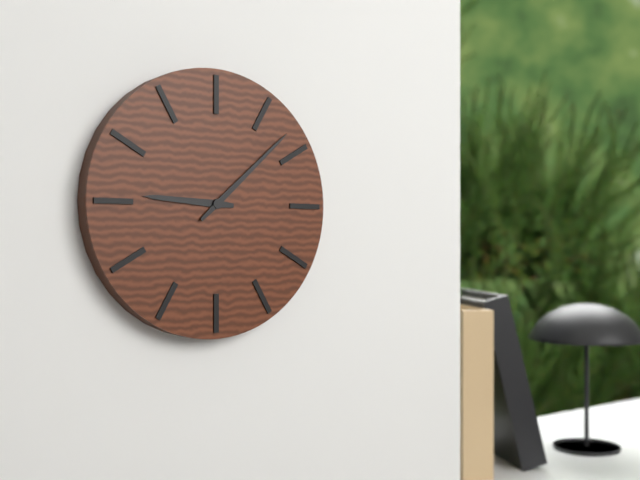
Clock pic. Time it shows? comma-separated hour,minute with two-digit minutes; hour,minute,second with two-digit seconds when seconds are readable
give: 9,08
